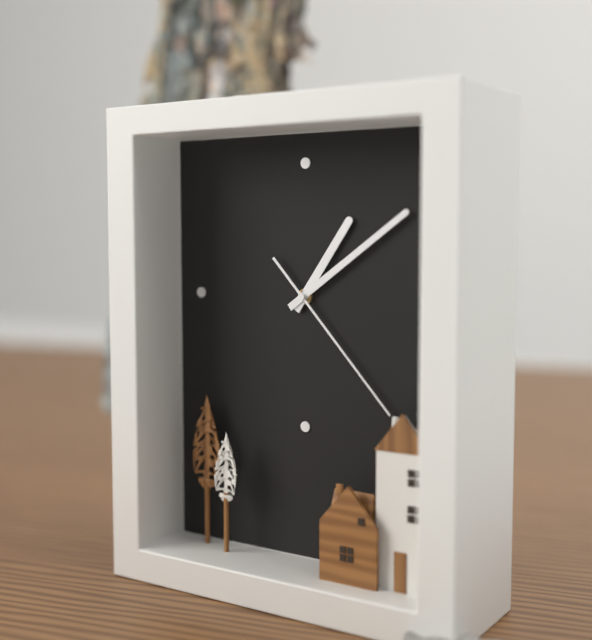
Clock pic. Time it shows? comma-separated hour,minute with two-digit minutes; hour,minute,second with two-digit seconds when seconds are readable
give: 1,09,23
